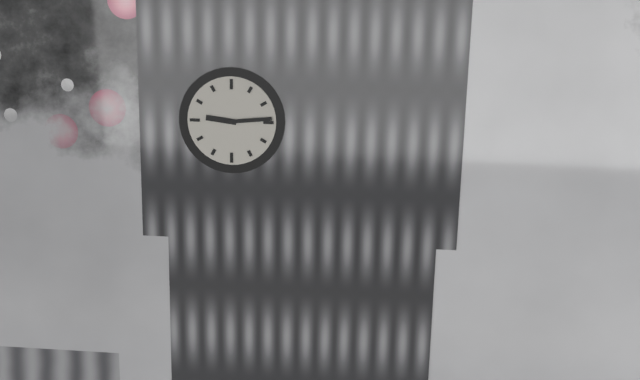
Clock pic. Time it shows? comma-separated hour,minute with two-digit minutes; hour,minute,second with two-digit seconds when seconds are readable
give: 9,14
